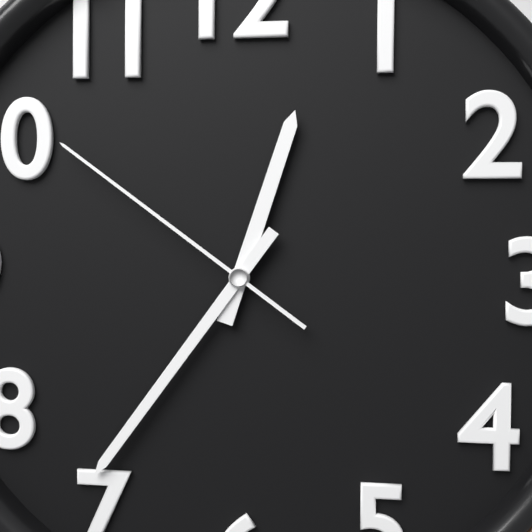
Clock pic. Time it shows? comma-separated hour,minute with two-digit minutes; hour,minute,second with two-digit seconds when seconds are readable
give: 12,36,51
